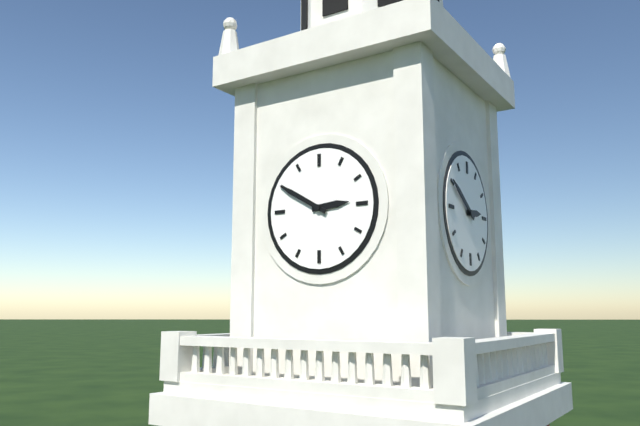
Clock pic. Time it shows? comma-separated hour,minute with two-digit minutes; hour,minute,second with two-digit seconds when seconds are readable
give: 2,50
